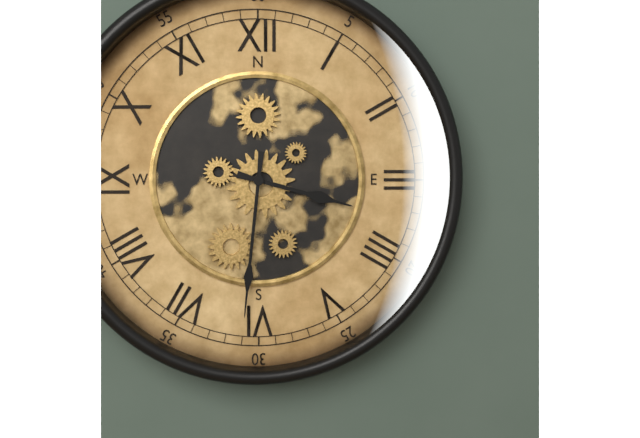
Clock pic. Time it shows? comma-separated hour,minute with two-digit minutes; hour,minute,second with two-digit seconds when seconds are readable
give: 3,31
